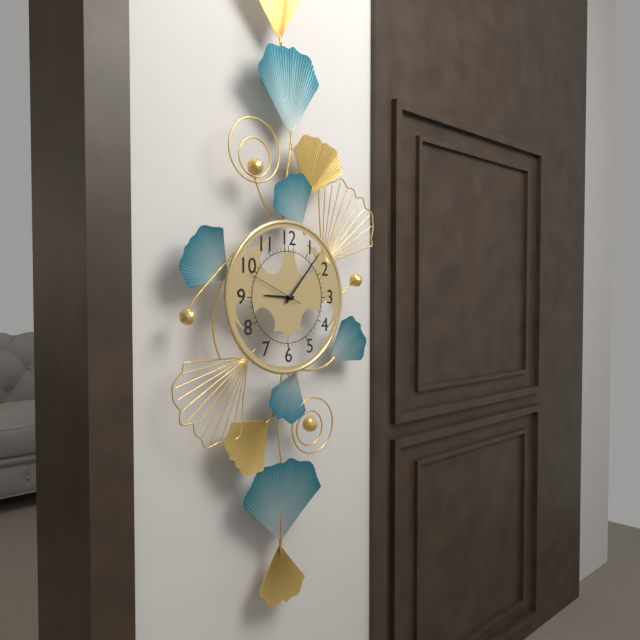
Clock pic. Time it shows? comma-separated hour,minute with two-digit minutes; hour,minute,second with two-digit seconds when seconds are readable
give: 9,07,49
